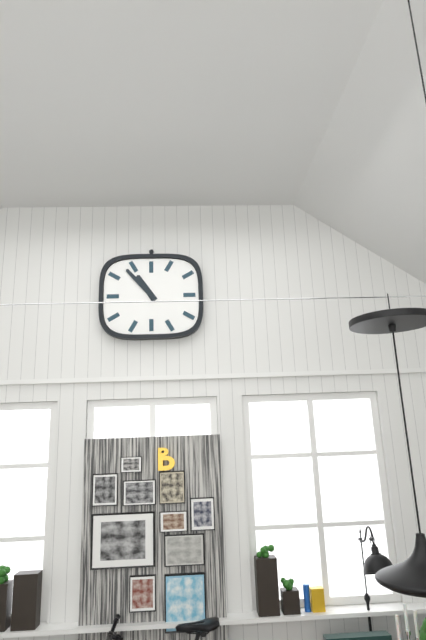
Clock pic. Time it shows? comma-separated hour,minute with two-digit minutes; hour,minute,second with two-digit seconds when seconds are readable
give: 10,53
